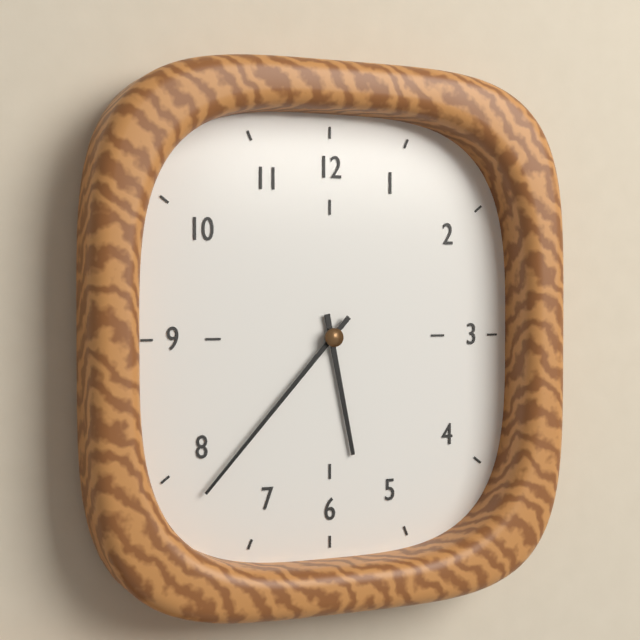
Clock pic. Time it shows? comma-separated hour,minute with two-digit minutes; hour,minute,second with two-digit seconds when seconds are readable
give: 5,37
